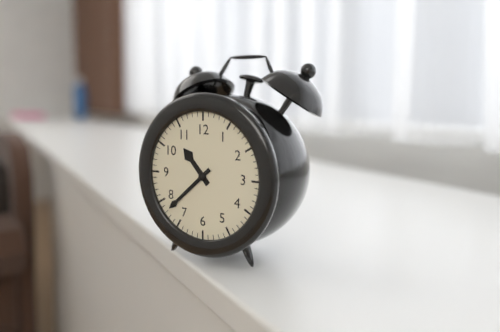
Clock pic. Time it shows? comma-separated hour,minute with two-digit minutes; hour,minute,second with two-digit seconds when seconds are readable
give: 10,38
